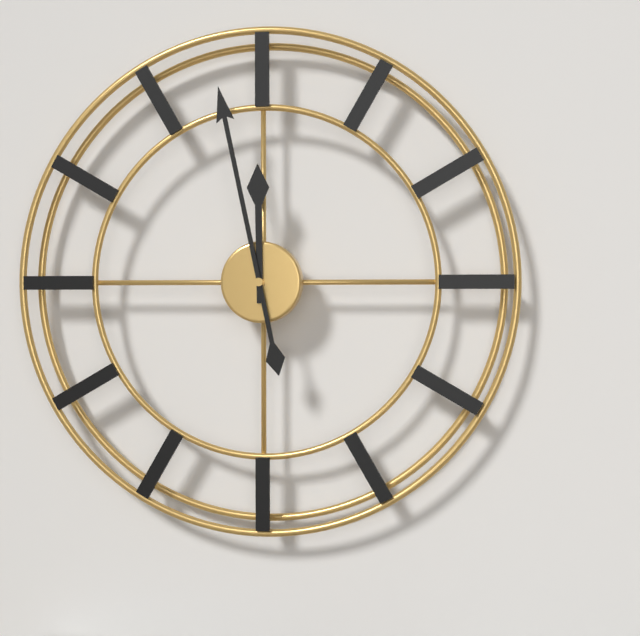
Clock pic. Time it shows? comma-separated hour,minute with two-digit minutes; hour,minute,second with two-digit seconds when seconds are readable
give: 11,58
